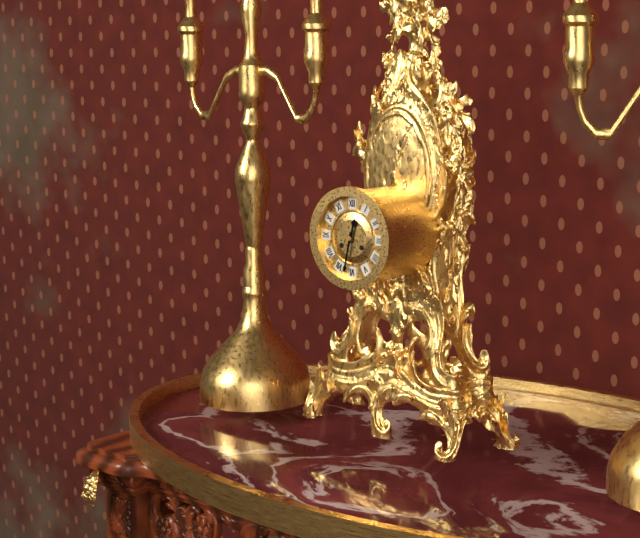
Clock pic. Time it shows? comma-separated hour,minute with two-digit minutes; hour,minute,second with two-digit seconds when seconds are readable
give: 12,32
